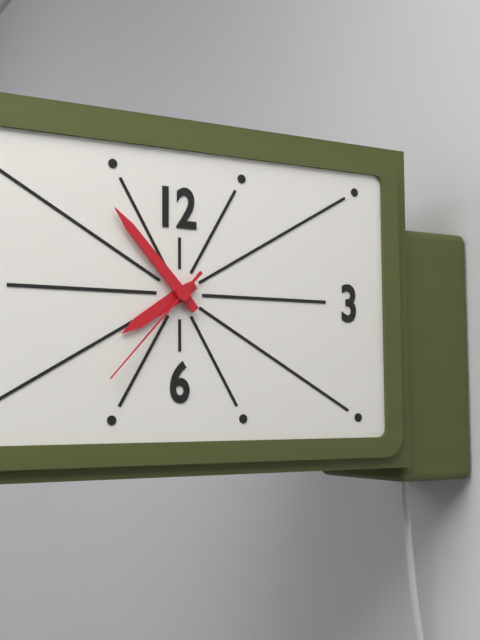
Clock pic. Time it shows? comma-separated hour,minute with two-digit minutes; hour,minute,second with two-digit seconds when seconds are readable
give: 7,53,37
